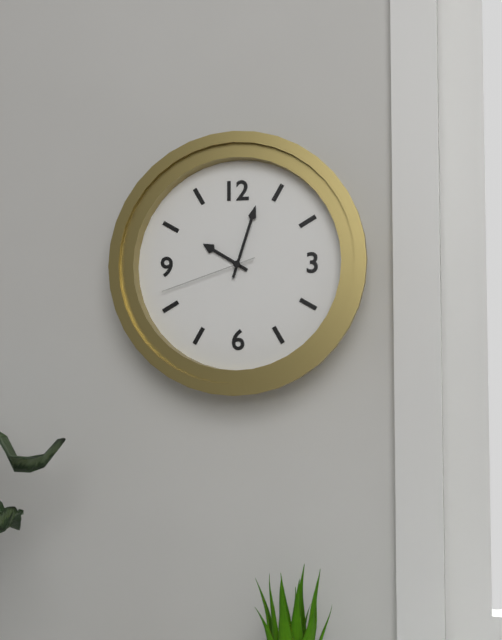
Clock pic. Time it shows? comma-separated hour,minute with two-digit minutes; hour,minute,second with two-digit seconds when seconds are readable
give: 10,03,42
